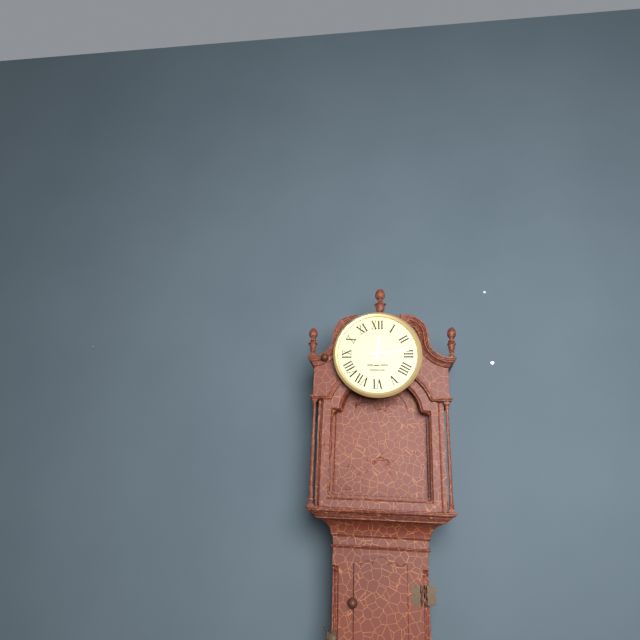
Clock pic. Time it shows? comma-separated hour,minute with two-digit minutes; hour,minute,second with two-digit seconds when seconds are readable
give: 12,14
